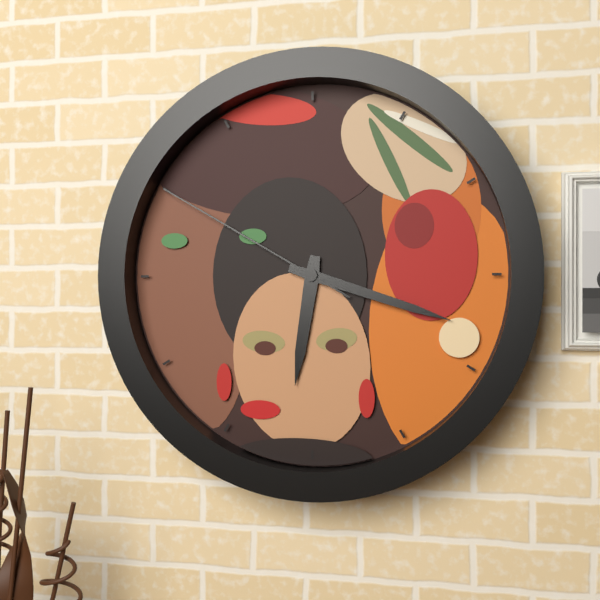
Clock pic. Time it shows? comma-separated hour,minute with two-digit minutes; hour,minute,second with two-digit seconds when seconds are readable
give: 6,18,50
